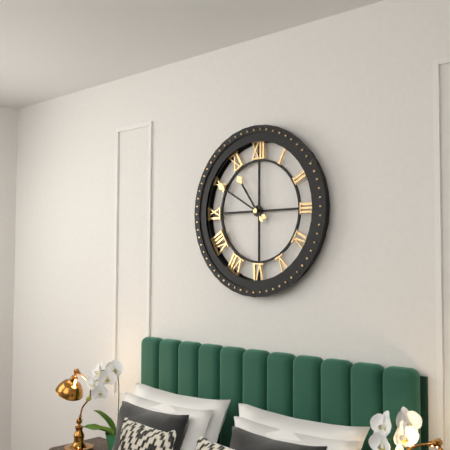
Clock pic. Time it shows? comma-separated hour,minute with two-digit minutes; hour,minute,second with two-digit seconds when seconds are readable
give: 10,50
